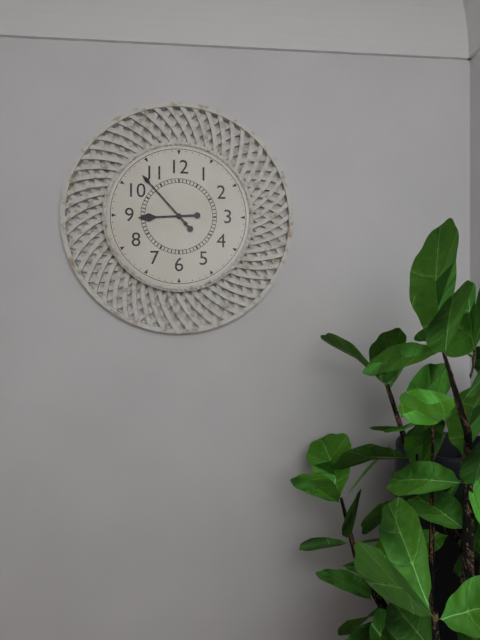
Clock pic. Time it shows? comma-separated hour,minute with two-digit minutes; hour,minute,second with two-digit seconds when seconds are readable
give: 8,53
